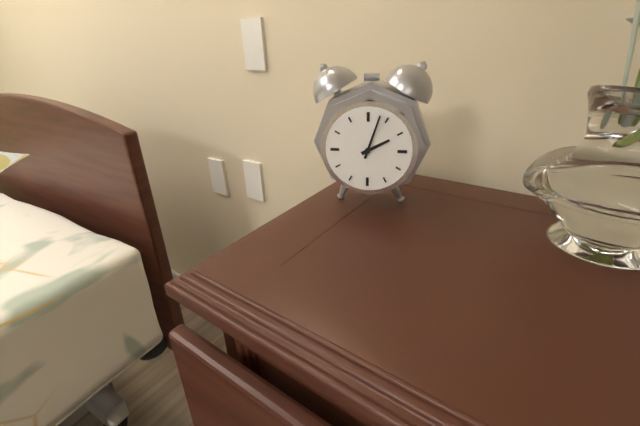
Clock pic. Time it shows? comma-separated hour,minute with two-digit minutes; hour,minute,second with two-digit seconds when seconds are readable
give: 2,03
